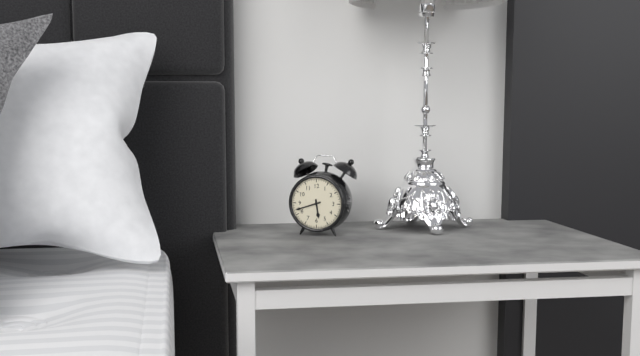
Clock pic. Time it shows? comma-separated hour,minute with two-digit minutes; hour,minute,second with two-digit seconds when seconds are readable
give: 5,42
